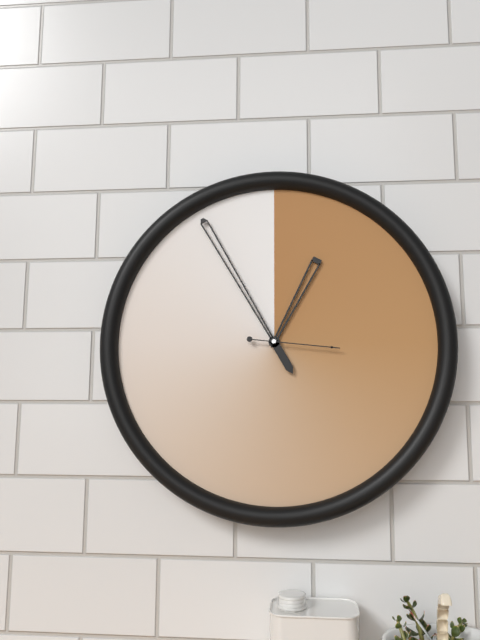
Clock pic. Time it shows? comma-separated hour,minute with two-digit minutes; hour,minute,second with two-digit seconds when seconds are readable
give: 12,55,16
